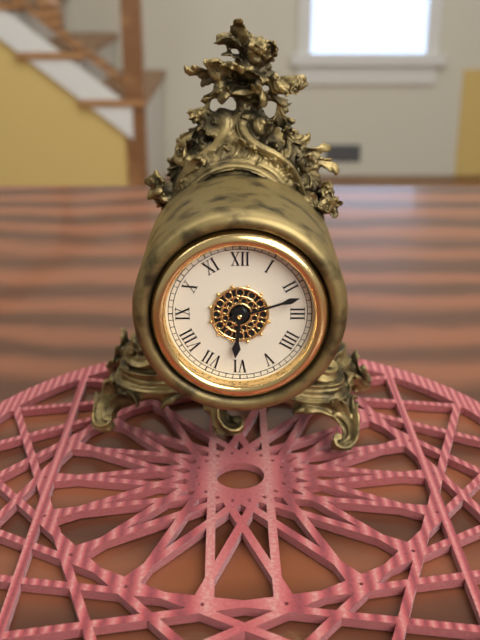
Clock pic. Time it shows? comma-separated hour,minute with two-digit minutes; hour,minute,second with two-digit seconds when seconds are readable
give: 6,12
